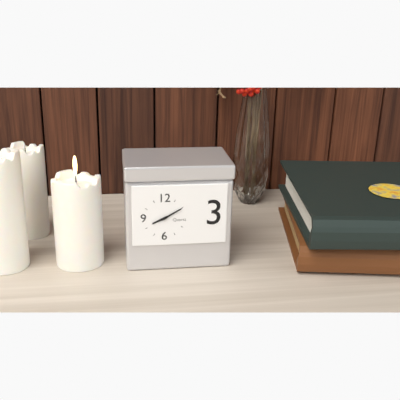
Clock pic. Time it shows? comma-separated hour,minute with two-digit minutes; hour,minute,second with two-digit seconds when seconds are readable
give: 8,10
